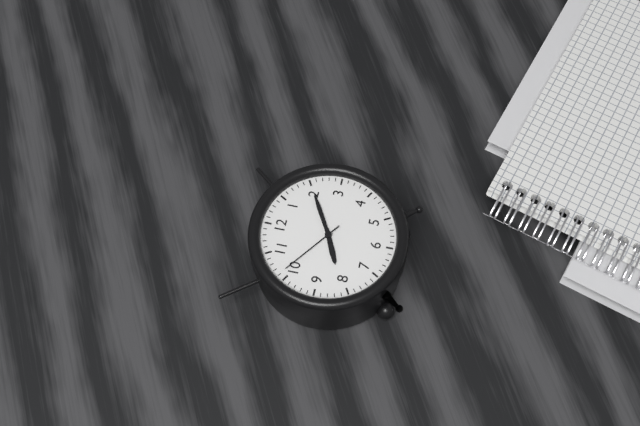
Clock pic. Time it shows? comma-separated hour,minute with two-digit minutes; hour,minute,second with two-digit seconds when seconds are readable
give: 8,10,51
